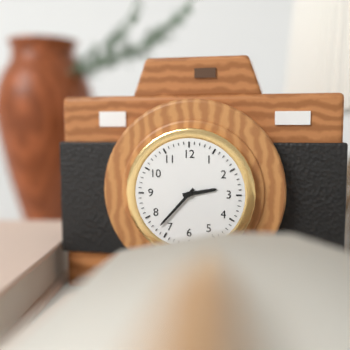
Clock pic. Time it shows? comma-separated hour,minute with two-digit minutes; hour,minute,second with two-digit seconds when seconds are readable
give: 2,37
